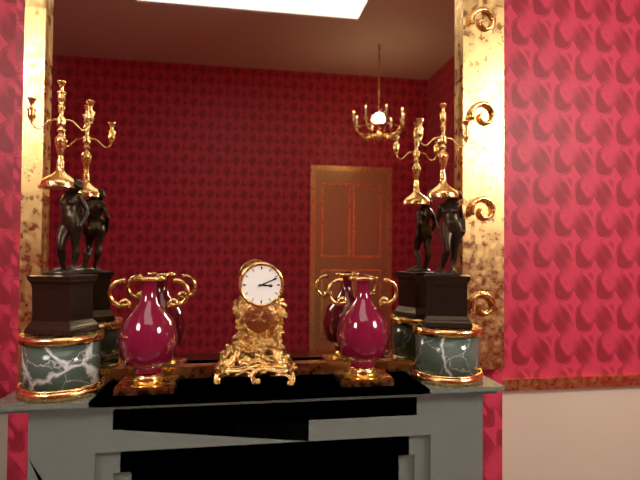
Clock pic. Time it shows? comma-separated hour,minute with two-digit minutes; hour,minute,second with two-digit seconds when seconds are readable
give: 3,11
